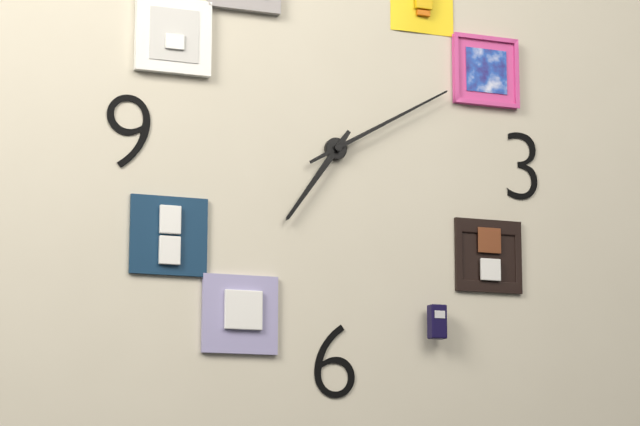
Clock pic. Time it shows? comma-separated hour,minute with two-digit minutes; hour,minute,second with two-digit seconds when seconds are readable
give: 7,10
